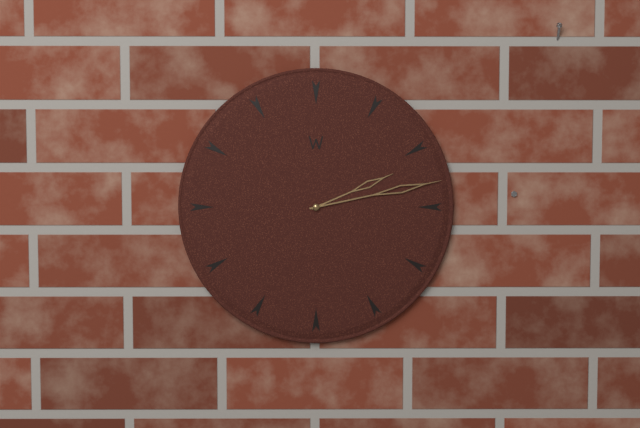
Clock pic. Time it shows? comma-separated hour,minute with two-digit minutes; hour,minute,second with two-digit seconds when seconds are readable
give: 2,13
